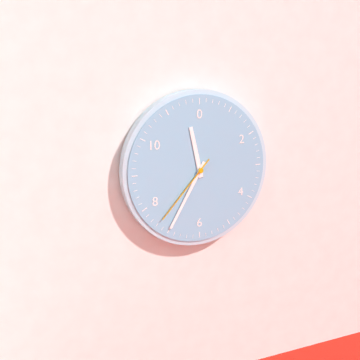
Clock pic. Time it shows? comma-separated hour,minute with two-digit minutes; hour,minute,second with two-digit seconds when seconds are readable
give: 11,35,37
